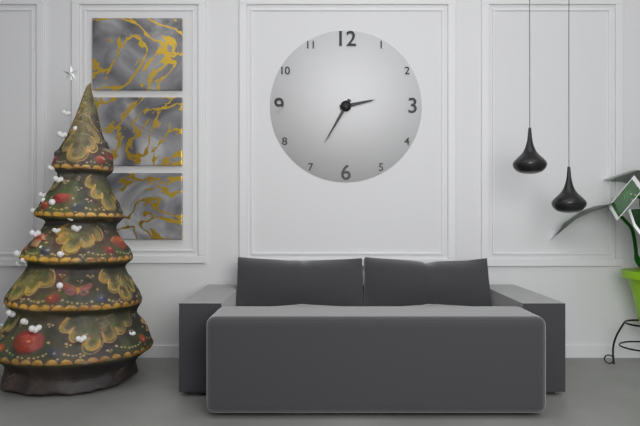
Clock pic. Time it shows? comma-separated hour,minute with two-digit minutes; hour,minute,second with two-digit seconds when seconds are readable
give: 2,35
